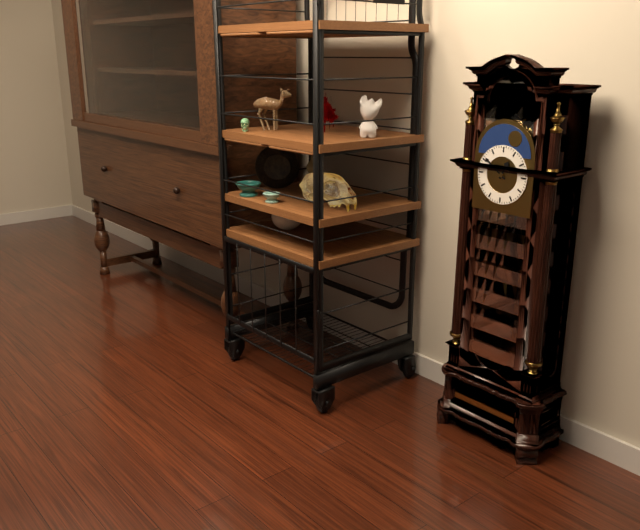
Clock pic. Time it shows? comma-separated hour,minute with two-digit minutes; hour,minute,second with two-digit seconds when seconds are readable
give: 12,51
